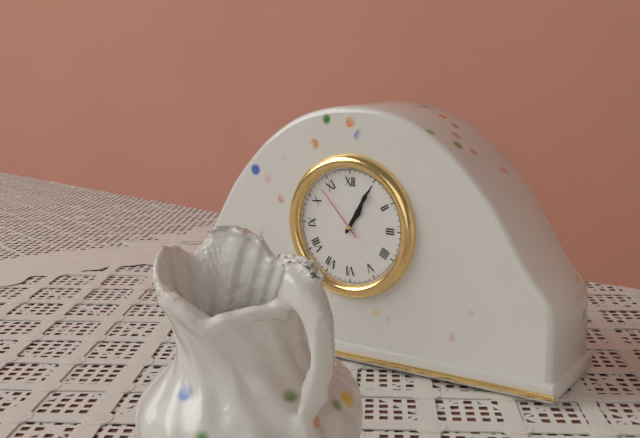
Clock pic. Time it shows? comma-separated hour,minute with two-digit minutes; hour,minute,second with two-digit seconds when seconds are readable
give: 1,05,53
